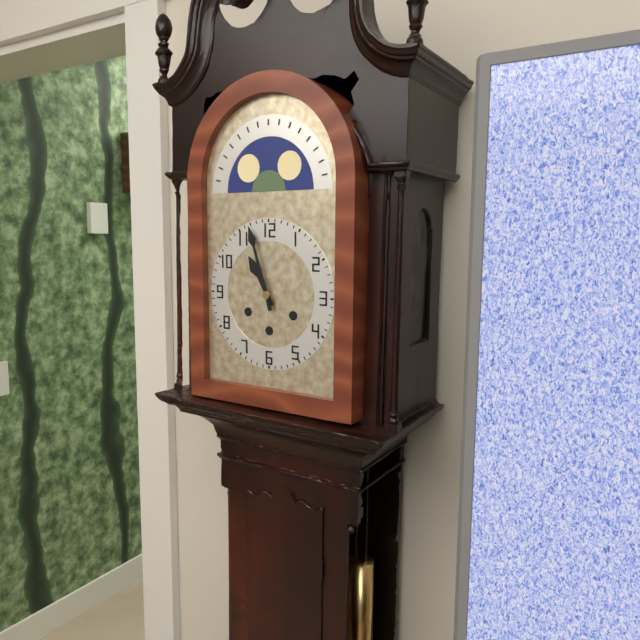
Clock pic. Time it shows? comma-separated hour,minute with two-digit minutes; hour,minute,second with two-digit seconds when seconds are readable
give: 10,57
